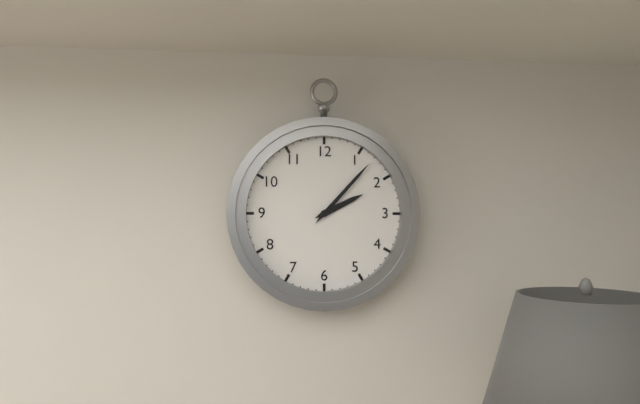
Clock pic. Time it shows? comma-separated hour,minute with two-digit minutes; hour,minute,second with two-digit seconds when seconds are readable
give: 2,07
